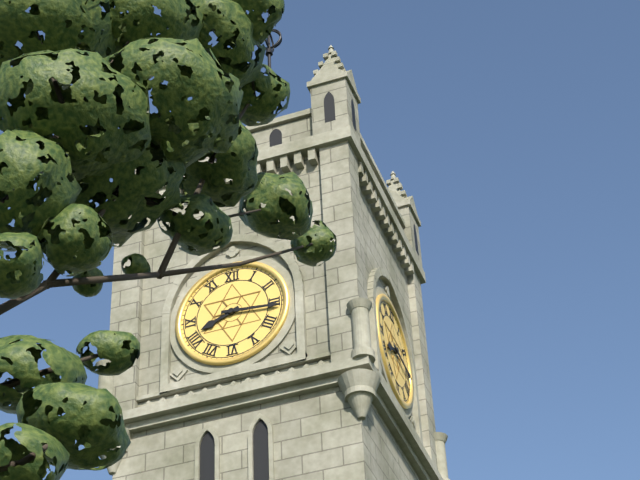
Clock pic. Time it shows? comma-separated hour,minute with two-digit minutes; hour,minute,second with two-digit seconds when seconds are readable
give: 8,16
